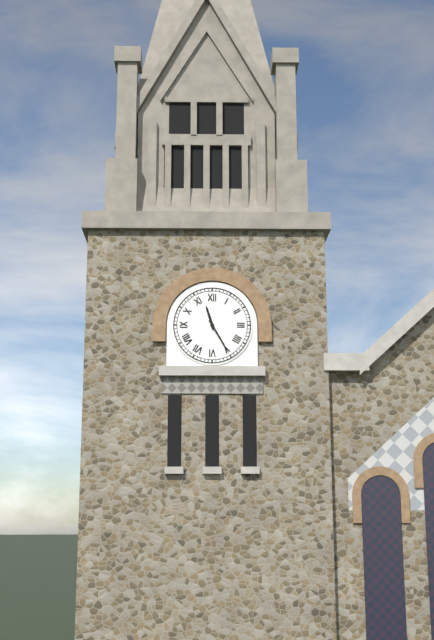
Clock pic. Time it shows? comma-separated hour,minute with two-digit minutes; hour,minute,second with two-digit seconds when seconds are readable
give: 11,25
